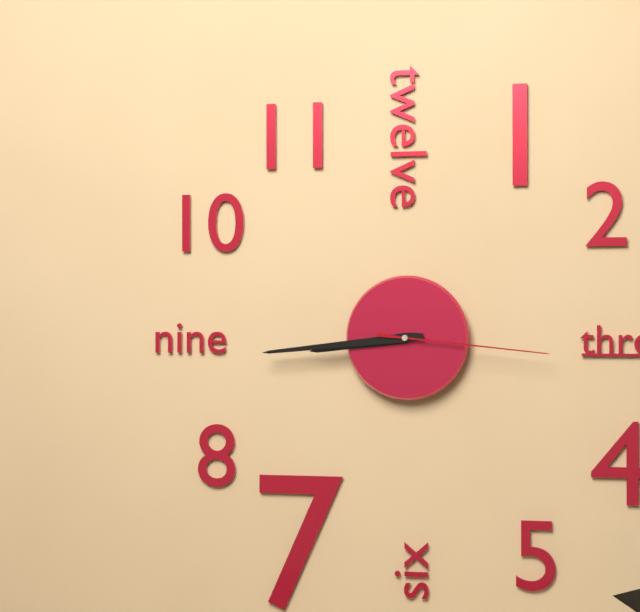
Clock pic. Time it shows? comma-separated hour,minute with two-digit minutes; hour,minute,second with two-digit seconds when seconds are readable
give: 8,44,16
